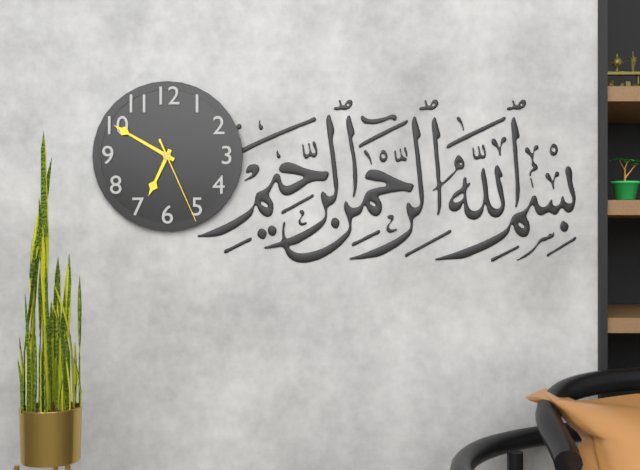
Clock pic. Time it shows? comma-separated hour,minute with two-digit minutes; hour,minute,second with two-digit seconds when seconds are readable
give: 6,50,26
